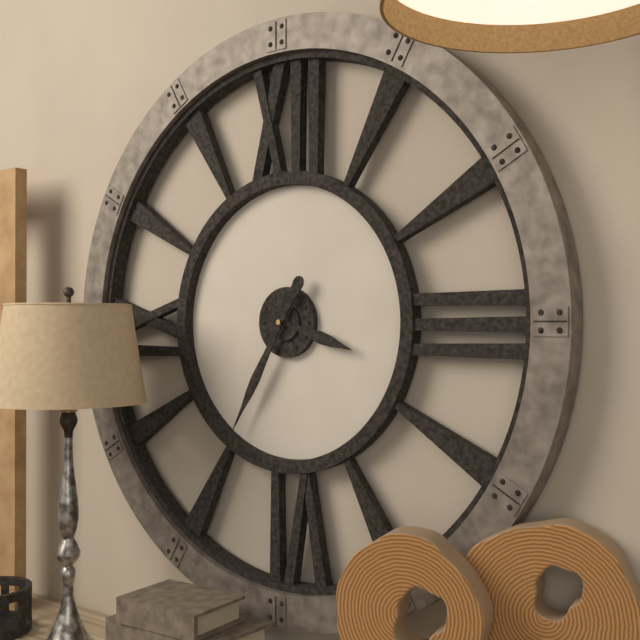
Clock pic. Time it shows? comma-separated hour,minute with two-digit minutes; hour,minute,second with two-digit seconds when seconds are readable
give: 3,35
